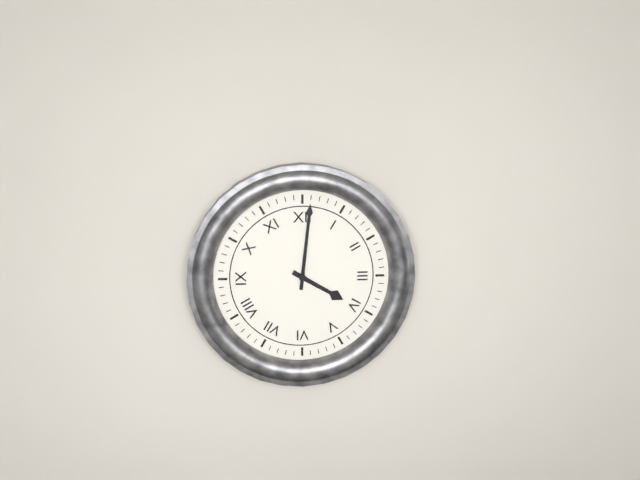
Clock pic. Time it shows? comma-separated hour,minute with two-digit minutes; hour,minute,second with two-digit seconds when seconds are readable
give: 4,01
